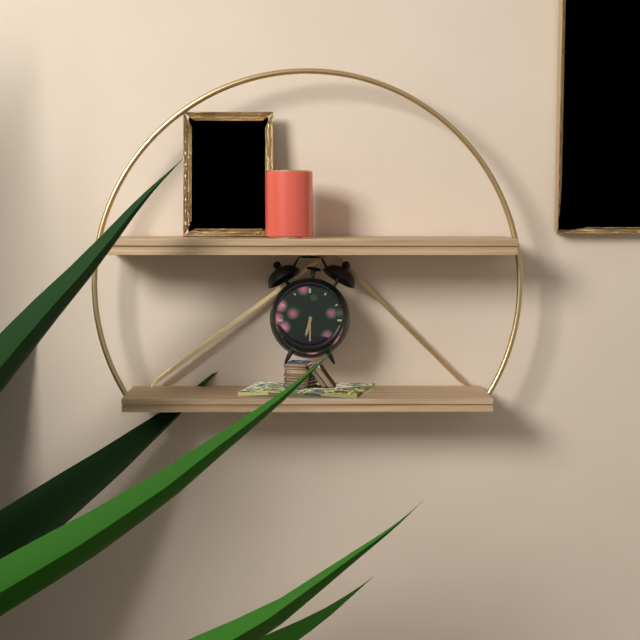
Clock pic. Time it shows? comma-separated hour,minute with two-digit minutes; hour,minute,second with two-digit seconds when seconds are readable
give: 6,30
